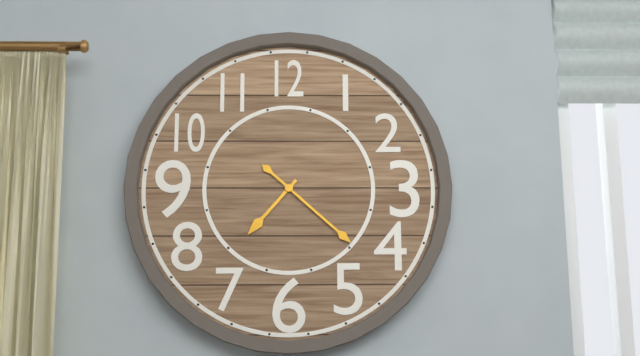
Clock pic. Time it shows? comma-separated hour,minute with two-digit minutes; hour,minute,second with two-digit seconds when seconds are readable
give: 7,22
